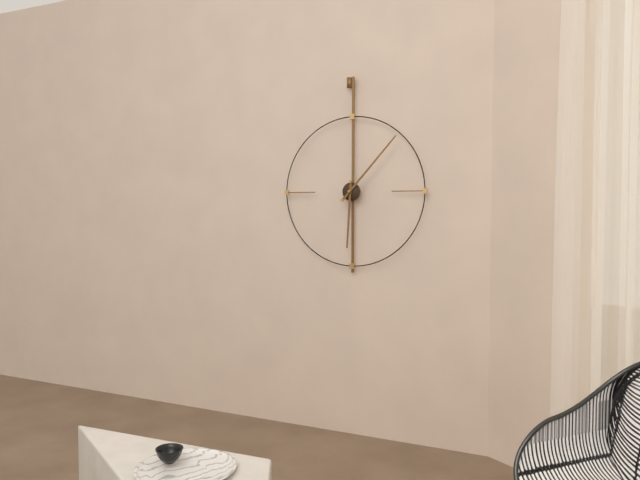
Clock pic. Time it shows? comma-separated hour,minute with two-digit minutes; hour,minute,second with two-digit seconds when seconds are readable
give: 6,07
